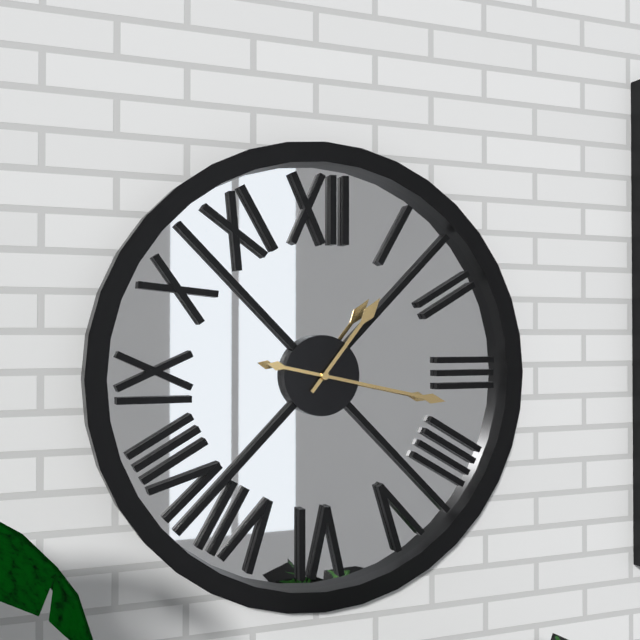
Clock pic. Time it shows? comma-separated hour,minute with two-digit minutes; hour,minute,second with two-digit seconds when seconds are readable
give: 1,17
